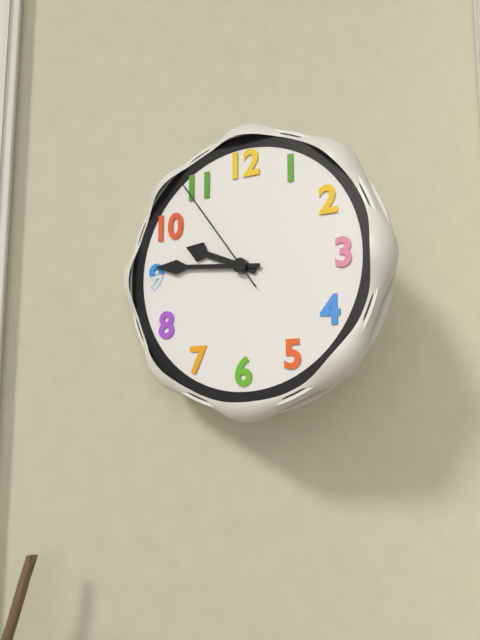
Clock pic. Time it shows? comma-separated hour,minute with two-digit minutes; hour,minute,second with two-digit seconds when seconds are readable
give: 9,46,54
